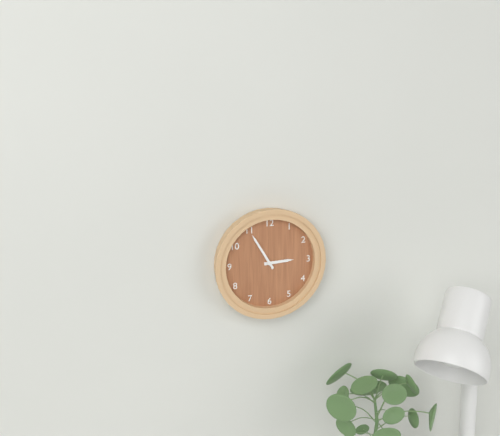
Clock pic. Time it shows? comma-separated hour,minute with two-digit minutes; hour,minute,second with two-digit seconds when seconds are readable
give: 2,55
